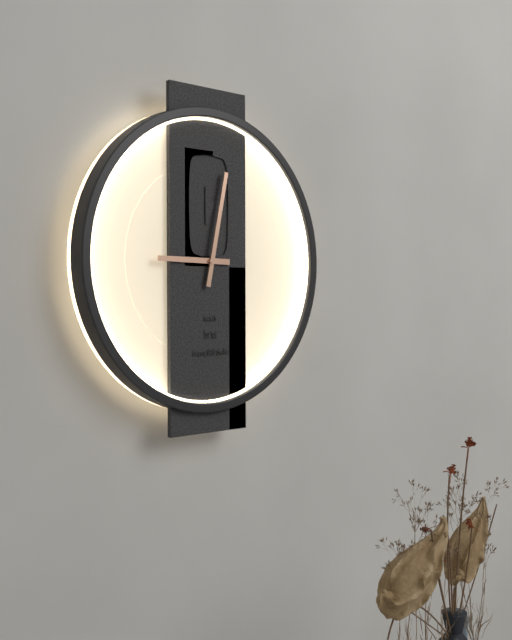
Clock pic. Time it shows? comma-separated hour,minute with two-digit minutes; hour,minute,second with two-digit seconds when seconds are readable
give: 9,02
